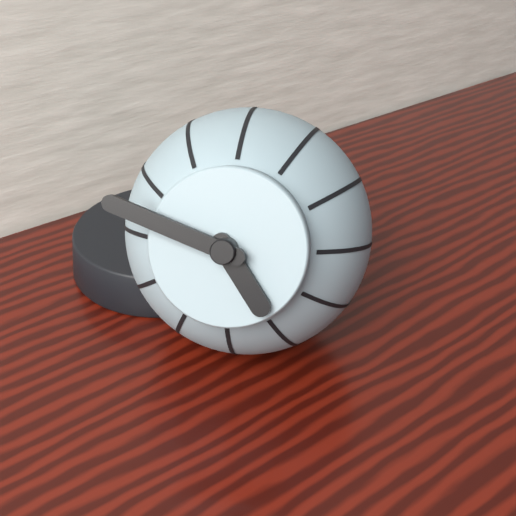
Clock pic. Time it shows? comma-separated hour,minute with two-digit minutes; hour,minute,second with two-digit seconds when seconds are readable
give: 4,48
